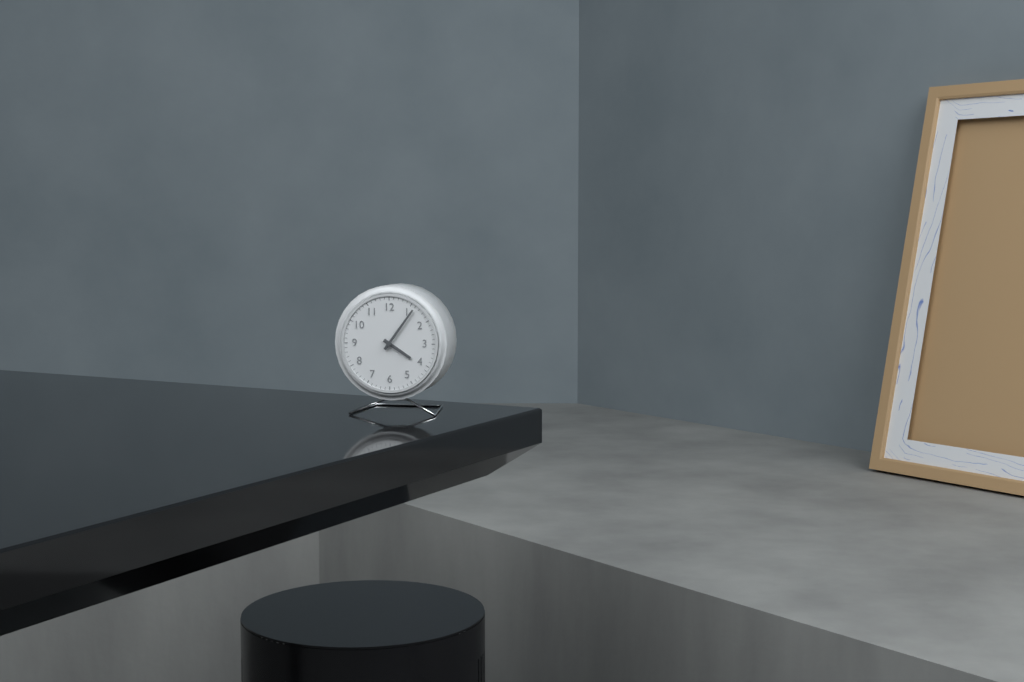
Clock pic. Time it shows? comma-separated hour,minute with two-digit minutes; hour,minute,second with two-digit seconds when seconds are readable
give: 4,06
